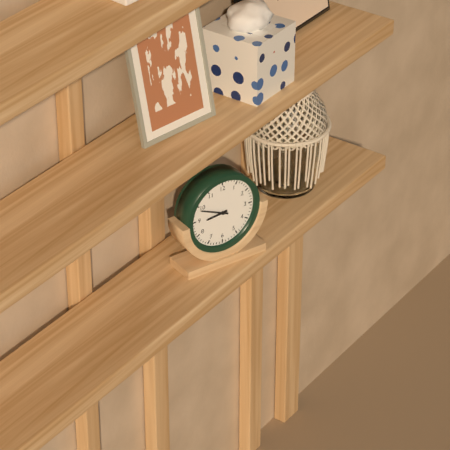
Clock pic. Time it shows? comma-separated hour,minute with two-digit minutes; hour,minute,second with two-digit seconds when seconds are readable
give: 8,49
